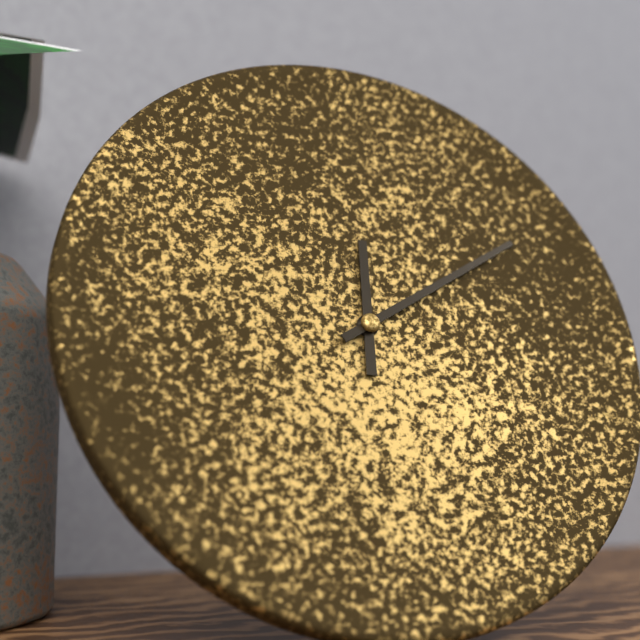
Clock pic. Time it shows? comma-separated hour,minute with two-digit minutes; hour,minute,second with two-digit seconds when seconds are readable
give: 12,10
